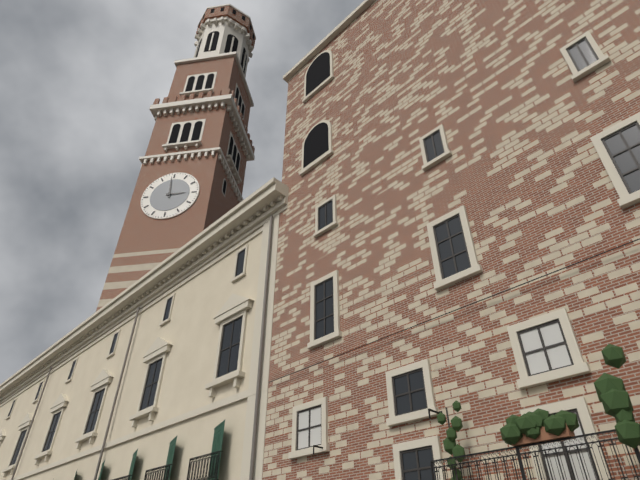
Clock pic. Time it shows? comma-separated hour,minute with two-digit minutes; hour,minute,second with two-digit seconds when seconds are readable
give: 2,59
